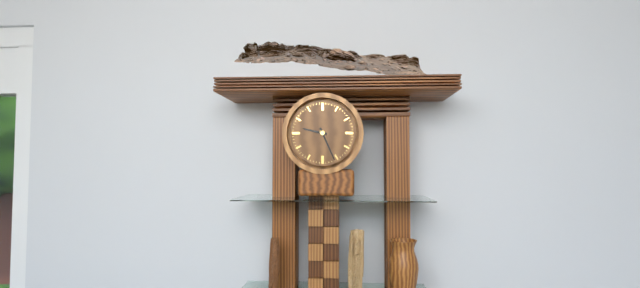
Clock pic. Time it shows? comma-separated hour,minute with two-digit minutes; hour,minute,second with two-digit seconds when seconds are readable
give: 9,26
